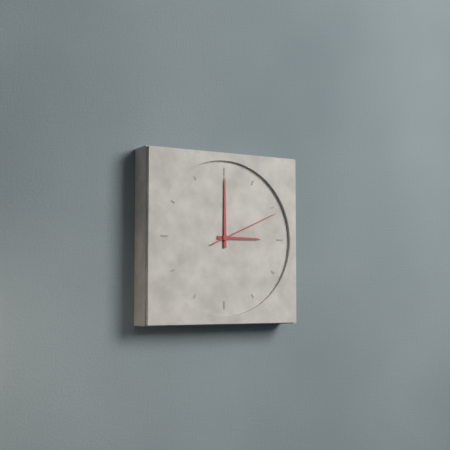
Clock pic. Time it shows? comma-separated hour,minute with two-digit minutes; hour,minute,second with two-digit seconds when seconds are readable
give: 3,00,11
